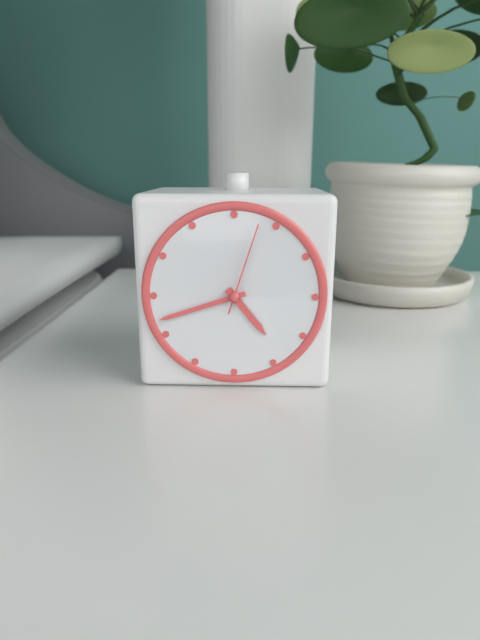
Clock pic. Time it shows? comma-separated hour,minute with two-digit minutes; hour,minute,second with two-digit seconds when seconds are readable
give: 4,42,03
